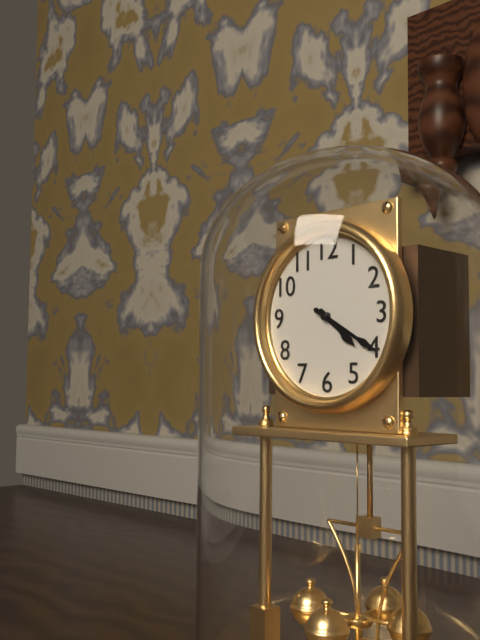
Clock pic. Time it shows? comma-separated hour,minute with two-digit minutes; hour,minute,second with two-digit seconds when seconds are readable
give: 4,20
